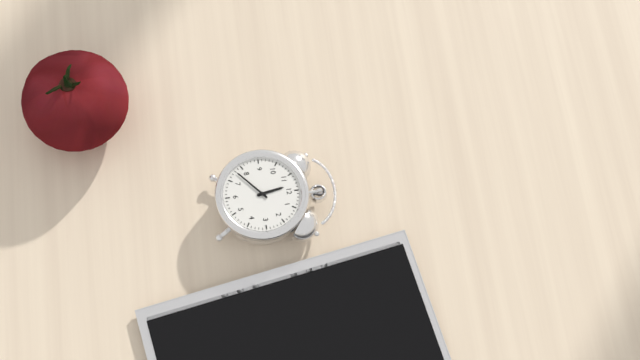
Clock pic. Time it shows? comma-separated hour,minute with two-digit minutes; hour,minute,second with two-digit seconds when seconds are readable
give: 11,38
